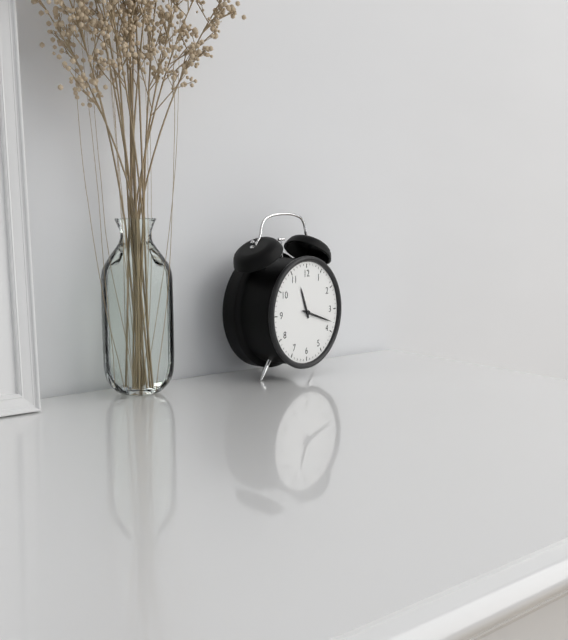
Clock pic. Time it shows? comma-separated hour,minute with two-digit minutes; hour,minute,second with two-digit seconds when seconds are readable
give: 11,18
